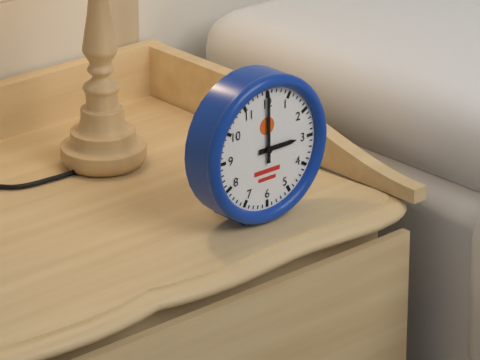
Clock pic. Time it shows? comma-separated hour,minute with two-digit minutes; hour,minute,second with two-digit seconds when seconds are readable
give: 3,00
